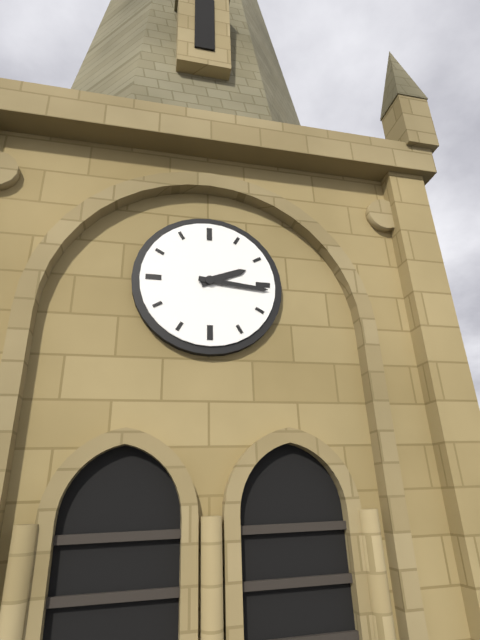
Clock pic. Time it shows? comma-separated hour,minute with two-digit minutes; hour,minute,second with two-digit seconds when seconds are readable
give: 2,16
